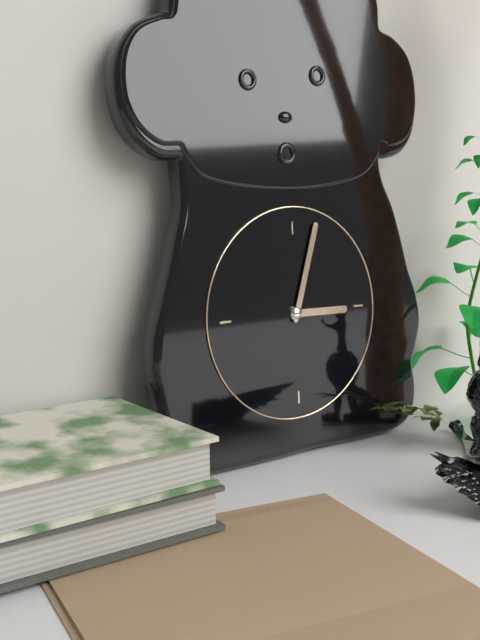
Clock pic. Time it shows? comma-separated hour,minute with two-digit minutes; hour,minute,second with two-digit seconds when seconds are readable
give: 3,03
